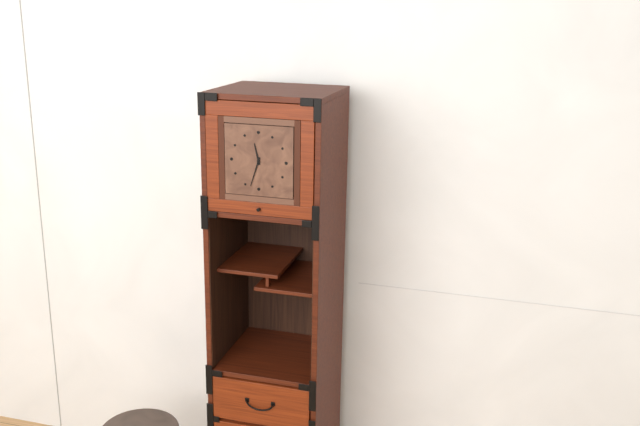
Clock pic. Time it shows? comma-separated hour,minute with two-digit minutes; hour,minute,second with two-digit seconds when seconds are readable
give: 11,33
